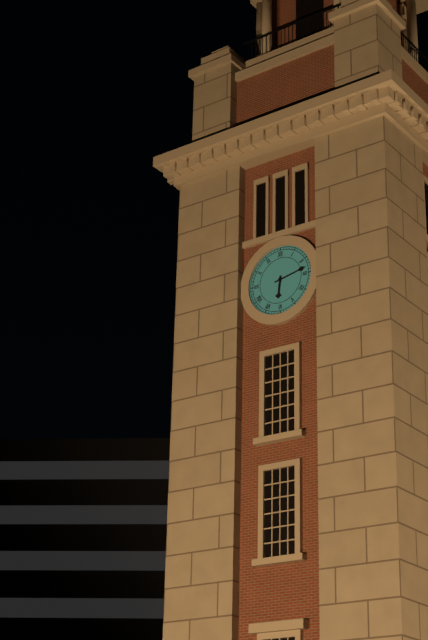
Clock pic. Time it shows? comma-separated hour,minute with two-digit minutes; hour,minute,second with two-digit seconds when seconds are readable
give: 6,13
